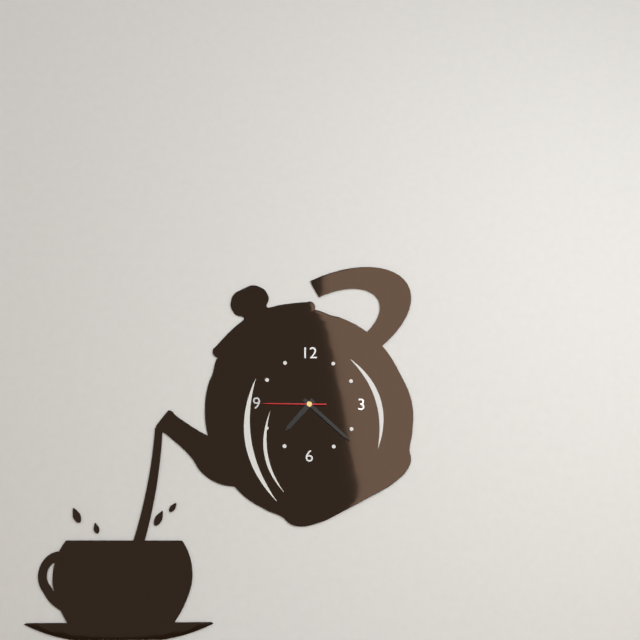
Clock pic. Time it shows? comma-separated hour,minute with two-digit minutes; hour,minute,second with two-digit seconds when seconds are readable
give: 7,22,45
